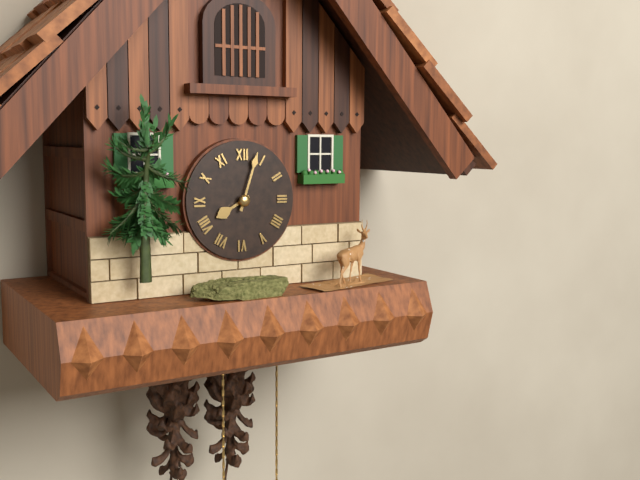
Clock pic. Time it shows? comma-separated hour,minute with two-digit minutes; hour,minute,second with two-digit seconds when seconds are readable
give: 8,03
